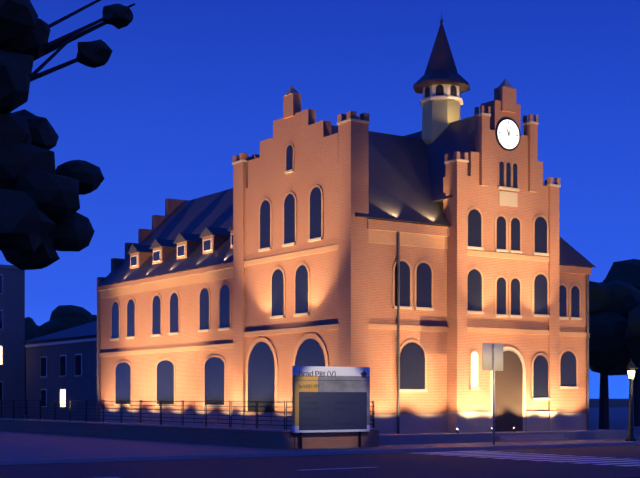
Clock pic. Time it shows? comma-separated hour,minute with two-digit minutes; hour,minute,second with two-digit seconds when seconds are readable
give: 11,03
